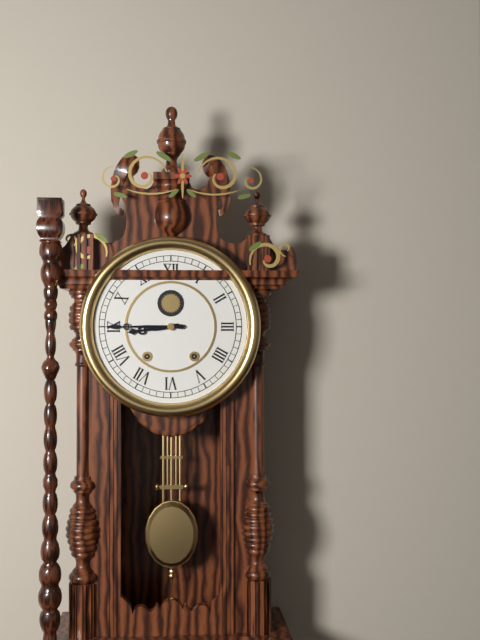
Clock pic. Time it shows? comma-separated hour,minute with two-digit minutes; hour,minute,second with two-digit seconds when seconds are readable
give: 8,45
